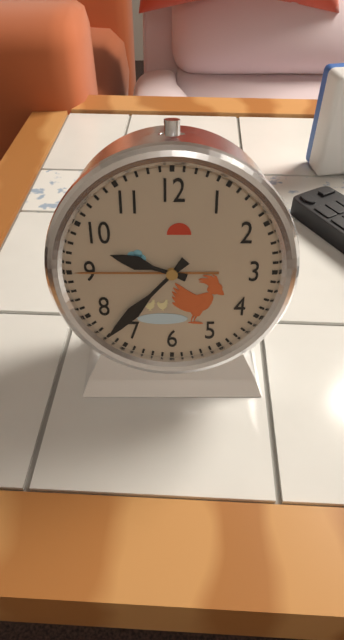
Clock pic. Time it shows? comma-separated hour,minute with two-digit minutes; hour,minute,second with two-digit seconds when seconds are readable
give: 9,37
